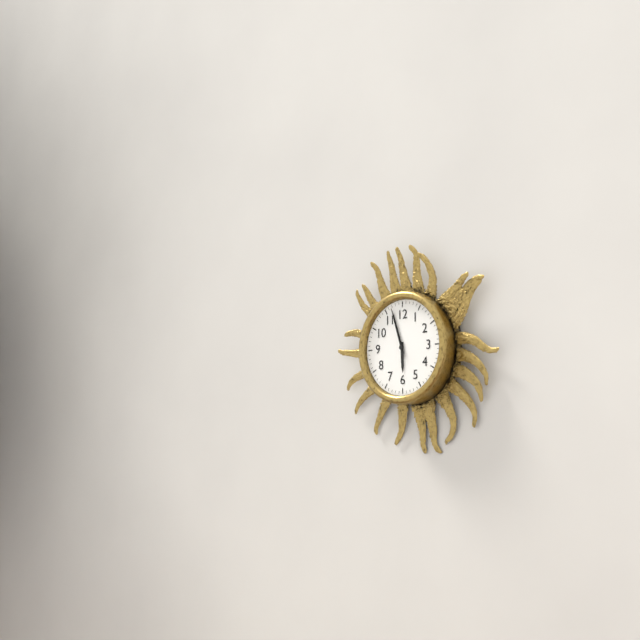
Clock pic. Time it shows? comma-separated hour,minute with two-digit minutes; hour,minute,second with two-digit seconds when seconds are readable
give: 5,57
